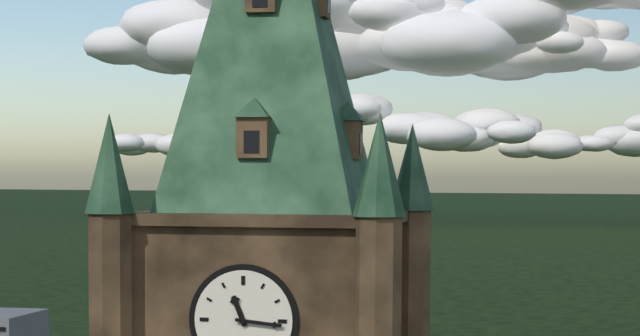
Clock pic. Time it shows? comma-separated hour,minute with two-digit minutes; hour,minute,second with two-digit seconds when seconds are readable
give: 11,16
